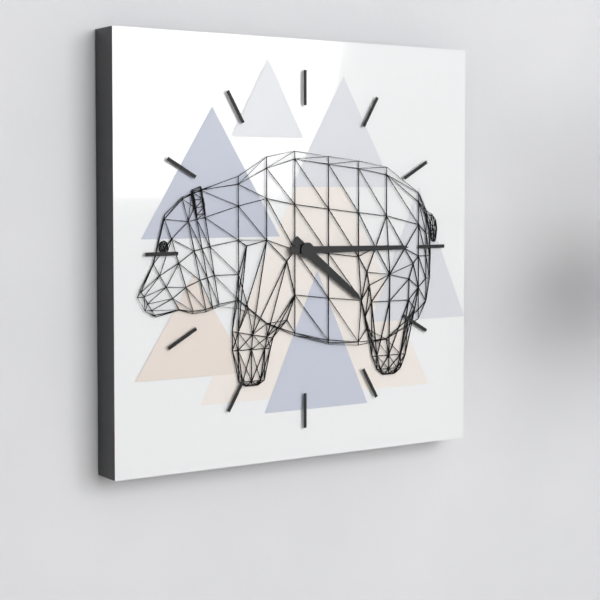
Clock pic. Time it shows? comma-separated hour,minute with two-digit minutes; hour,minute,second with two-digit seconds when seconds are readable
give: 4,15
